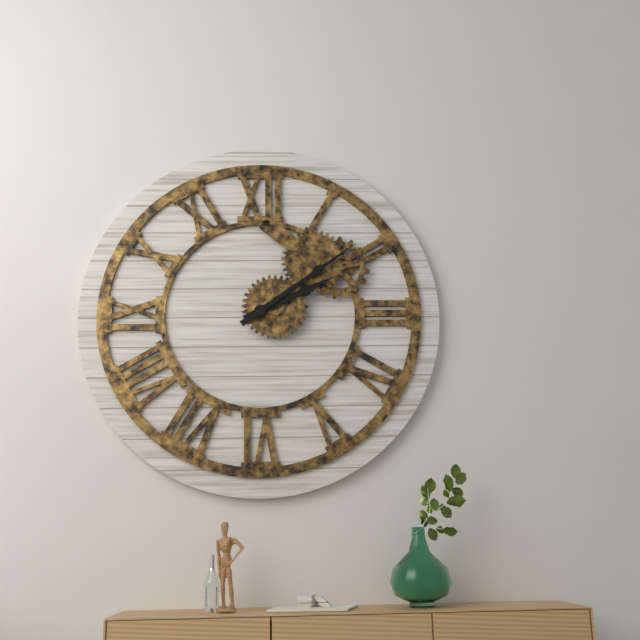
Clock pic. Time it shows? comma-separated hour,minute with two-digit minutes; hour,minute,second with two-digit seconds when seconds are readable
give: 2,09
